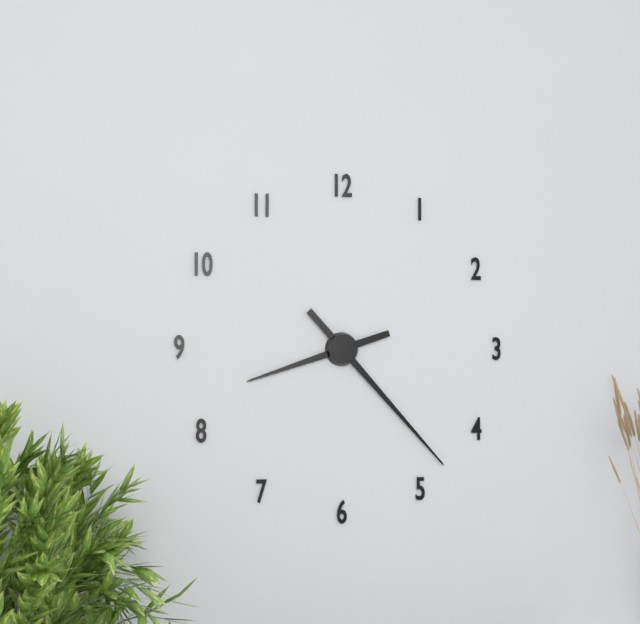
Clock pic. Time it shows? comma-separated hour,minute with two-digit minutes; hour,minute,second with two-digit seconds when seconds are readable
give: 8,23
